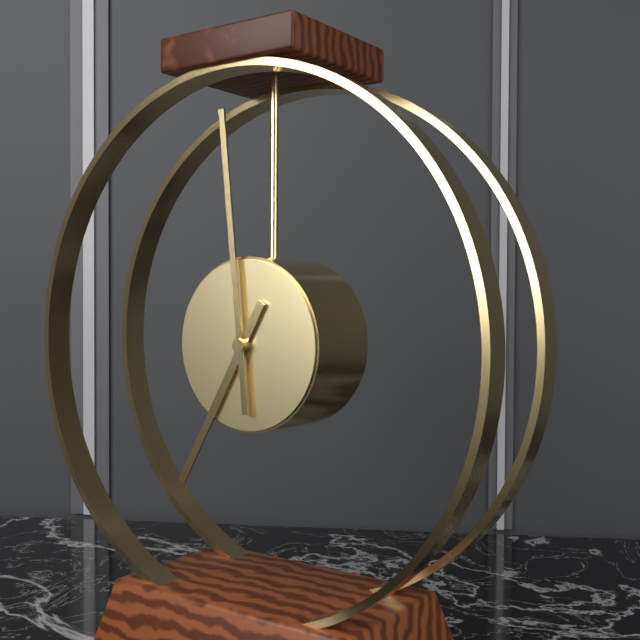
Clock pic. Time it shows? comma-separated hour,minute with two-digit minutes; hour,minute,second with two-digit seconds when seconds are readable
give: 6,59
